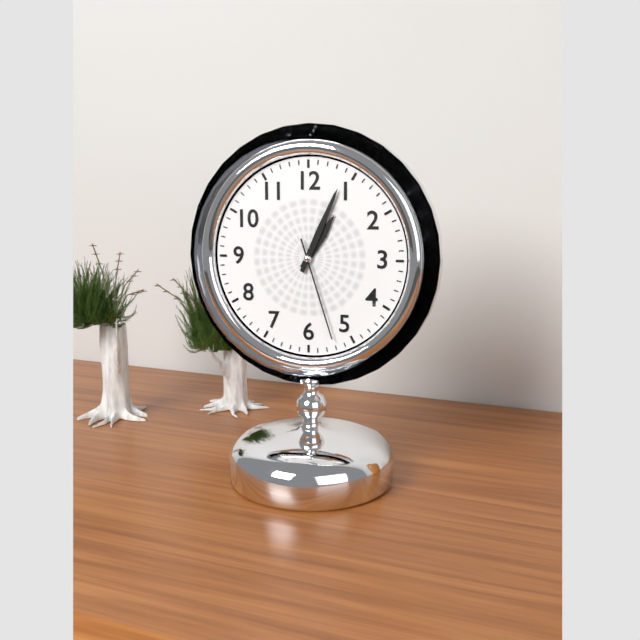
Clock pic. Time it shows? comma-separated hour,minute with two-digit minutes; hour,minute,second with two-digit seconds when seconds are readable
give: 1,04,27
